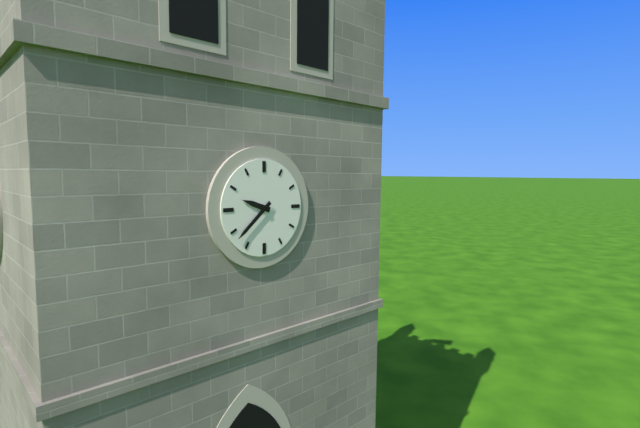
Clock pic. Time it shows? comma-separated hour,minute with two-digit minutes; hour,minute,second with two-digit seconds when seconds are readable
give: 9,38
